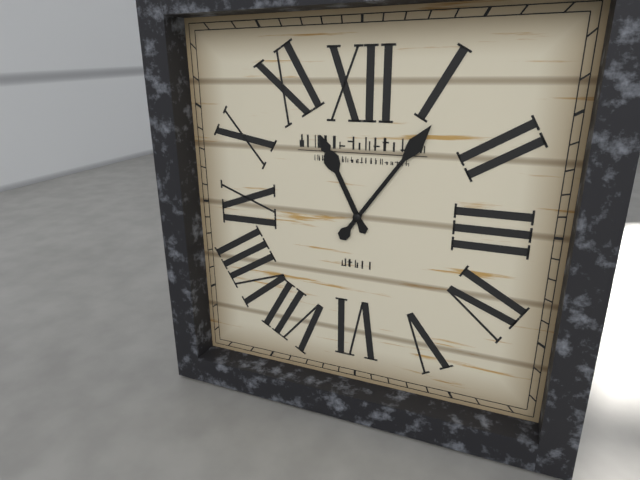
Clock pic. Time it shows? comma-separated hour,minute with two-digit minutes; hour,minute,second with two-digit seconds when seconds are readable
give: 11,06
